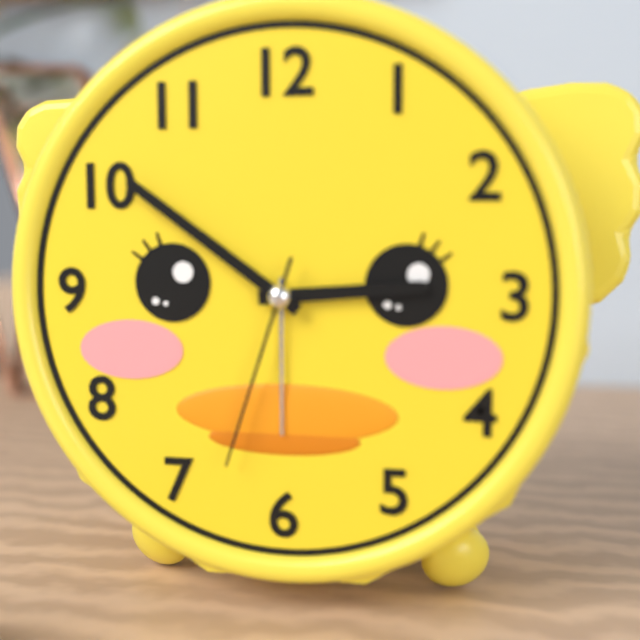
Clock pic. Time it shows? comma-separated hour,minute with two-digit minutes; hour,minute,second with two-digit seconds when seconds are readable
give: 2,51,33
